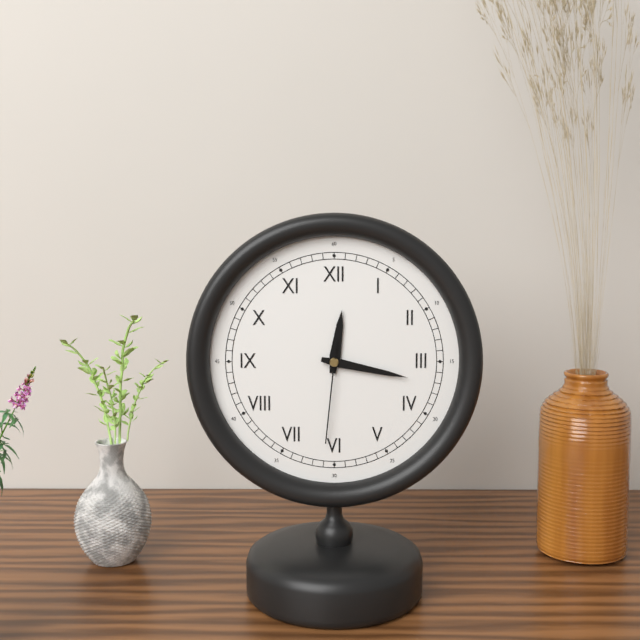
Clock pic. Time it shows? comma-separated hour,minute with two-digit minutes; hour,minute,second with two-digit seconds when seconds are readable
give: 12,17,31
